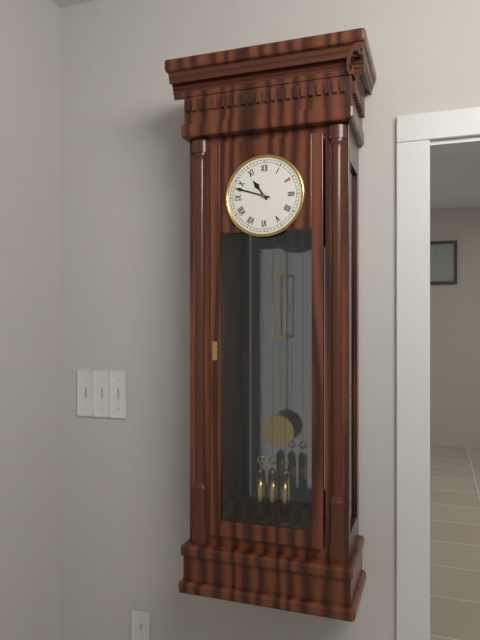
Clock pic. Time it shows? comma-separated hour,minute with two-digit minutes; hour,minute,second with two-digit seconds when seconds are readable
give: 10,48
